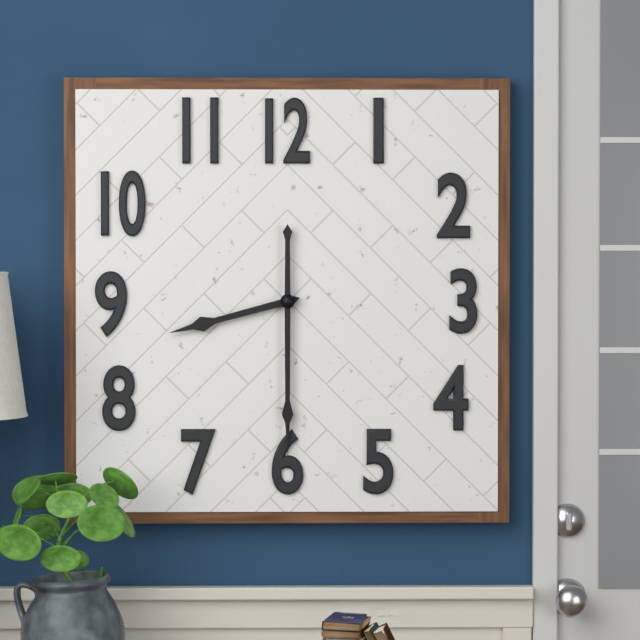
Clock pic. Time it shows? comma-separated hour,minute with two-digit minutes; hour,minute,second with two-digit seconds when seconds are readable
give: 8,30
